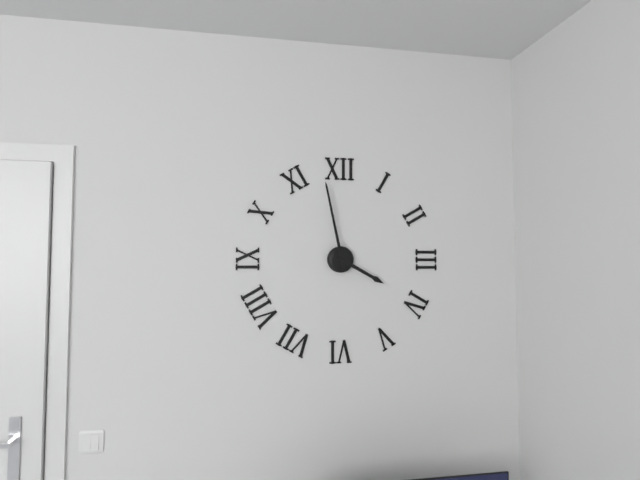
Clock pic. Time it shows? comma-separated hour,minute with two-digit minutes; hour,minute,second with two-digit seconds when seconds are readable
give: 3,58
